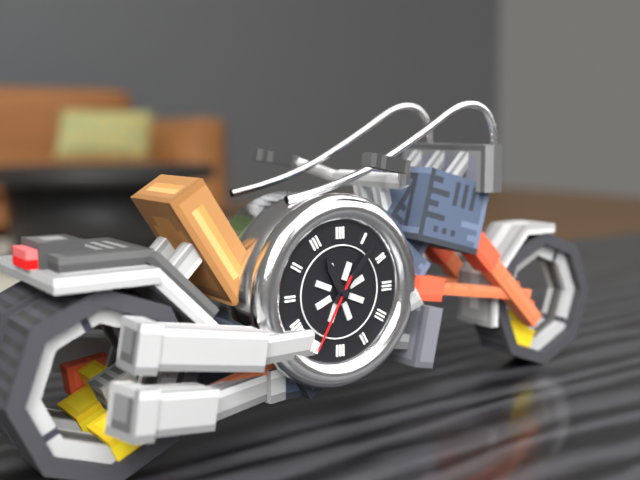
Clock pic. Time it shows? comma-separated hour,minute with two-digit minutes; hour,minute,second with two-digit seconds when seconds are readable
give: 11,07,35
